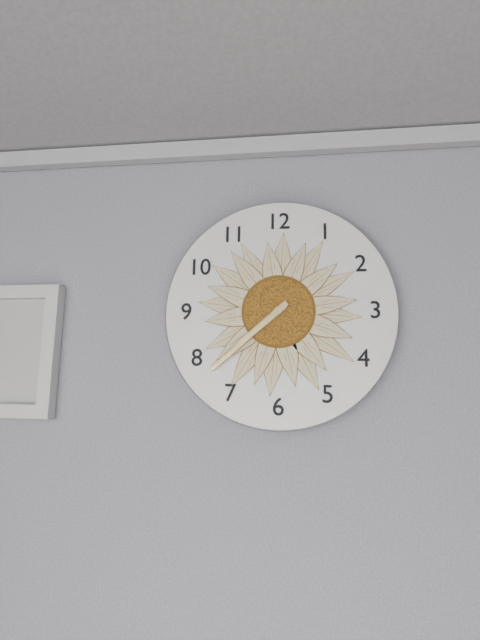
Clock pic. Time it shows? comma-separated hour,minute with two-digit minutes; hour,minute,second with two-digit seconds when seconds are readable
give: 7,38
